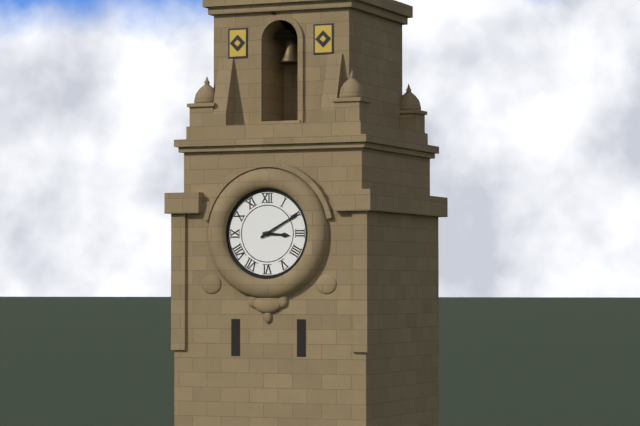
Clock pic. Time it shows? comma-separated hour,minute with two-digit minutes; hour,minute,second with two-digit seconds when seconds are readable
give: 3,10
